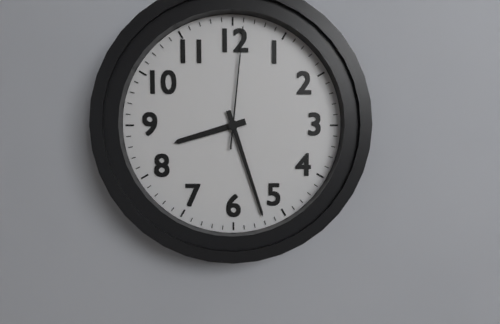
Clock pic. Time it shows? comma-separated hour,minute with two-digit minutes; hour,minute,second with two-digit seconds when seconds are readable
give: 8,27,01
